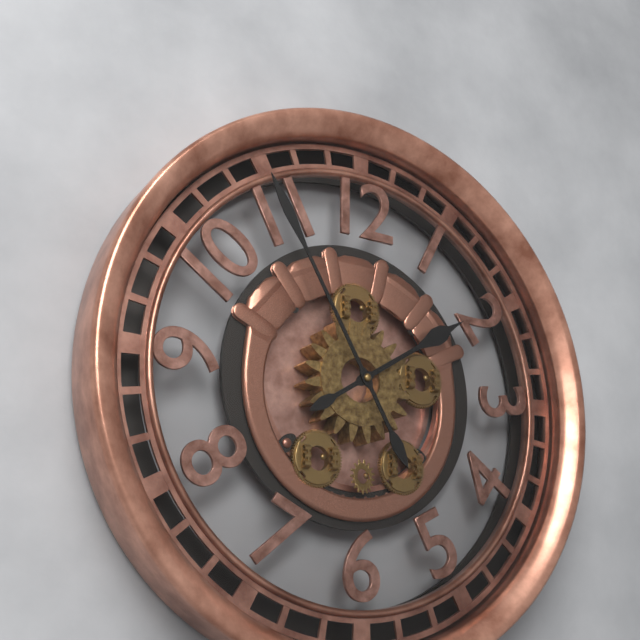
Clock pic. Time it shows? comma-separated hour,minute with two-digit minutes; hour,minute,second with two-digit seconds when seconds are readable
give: 1,55
